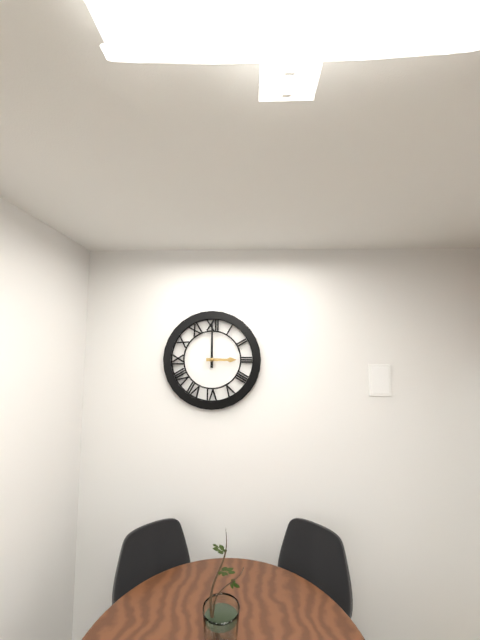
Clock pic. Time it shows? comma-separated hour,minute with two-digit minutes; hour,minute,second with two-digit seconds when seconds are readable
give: 3,00
